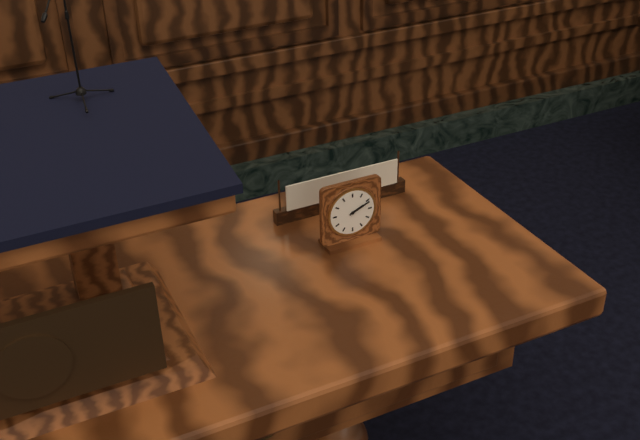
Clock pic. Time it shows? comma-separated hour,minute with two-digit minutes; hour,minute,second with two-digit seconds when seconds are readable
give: 2,11
